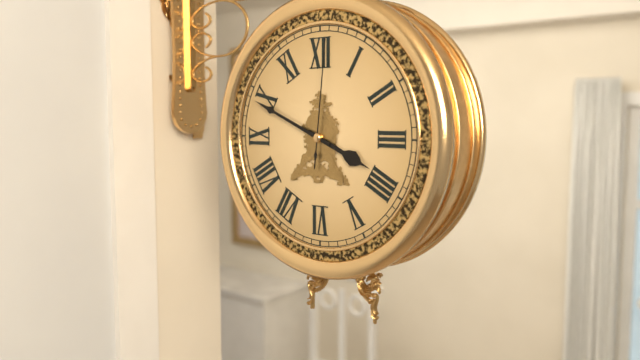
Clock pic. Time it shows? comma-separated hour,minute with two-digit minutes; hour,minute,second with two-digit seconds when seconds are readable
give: 3,49,01
